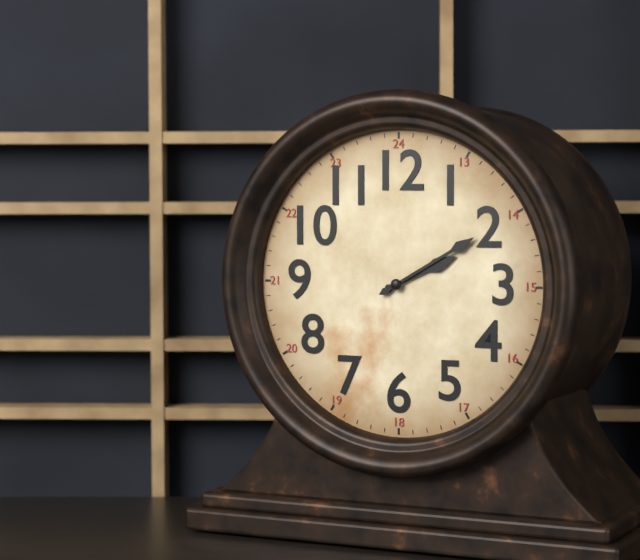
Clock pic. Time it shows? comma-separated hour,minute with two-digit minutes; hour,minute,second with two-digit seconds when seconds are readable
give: 2,10
